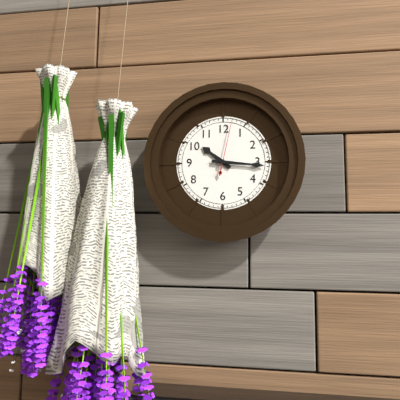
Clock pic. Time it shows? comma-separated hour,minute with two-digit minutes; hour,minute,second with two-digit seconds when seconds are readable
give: 10,16,02
